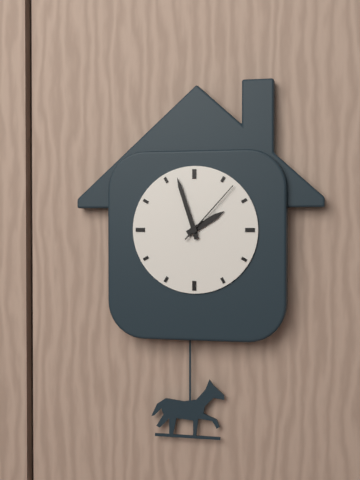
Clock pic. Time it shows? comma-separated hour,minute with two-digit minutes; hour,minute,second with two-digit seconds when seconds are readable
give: 1,57,07
